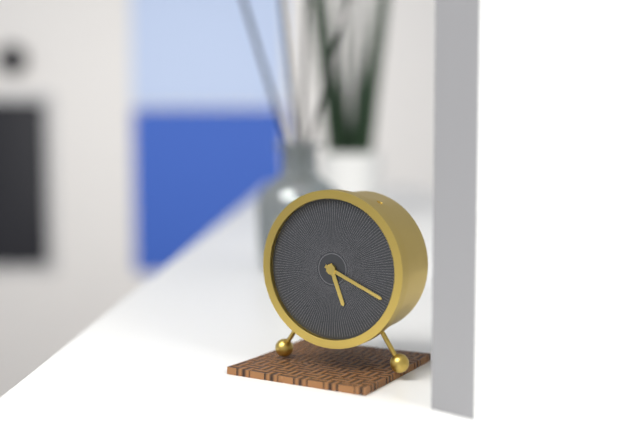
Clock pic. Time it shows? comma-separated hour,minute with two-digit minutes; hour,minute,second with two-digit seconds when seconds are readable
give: 5,19
